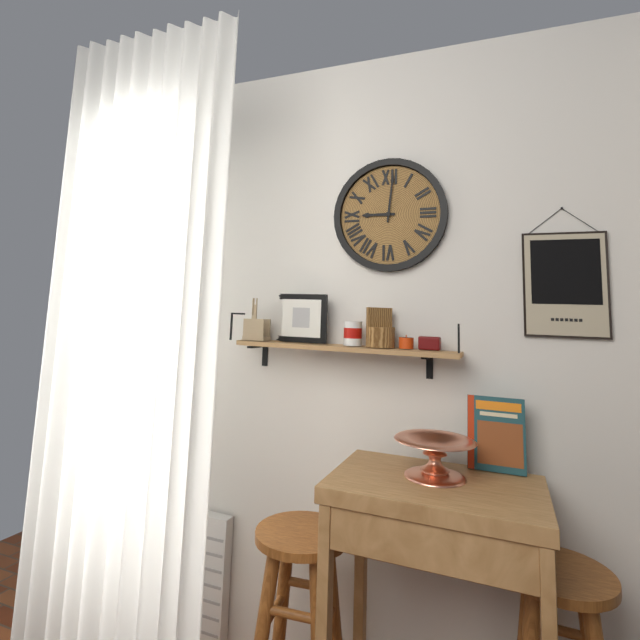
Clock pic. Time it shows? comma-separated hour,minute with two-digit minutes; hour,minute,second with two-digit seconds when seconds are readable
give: 9,01
